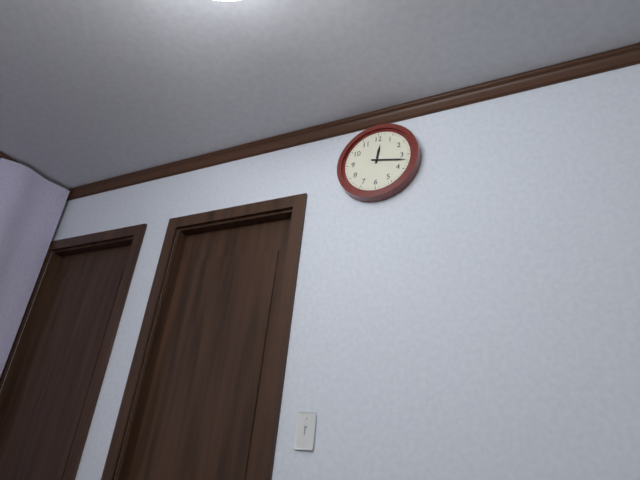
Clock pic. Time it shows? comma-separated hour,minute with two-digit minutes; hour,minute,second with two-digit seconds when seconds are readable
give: 12,17
